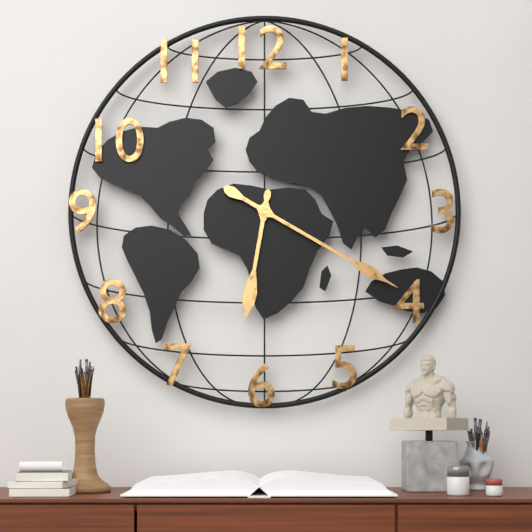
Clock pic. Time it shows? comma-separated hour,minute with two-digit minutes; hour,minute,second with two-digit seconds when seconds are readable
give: 6,20
